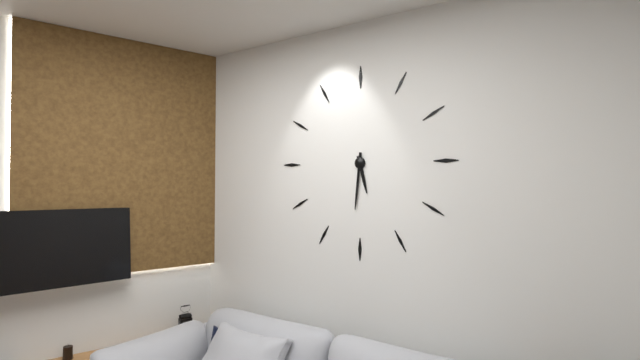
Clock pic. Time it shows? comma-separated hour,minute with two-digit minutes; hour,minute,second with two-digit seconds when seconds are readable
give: 5,31
